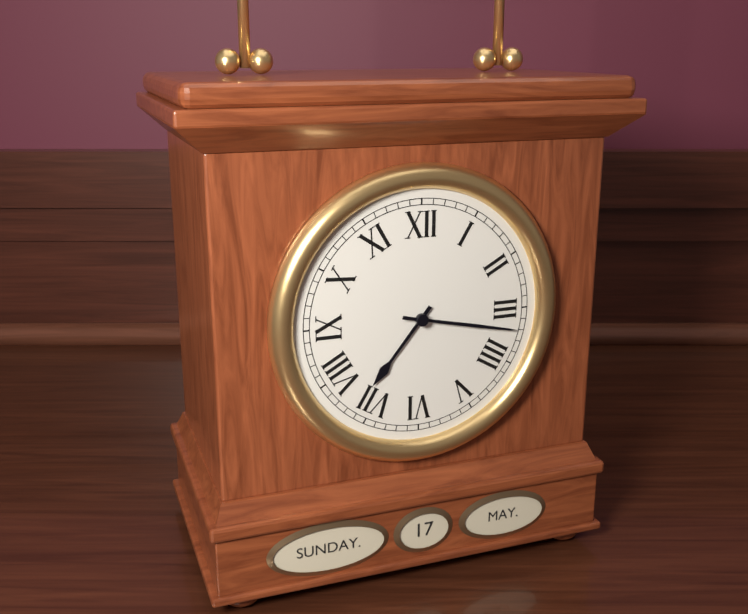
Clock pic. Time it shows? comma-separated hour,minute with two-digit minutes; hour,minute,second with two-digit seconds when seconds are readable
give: 7,17
